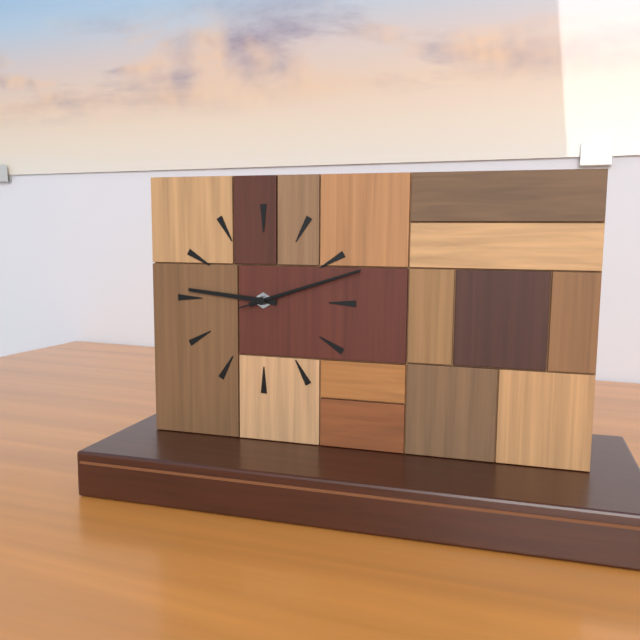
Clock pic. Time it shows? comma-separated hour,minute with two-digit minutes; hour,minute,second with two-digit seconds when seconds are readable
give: 9,12,12
